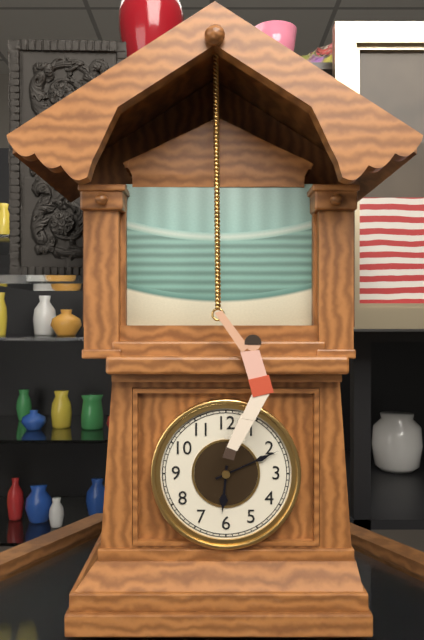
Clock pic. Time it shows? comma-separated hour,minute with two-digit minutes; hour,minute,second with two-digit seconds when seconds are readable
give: 6,11
